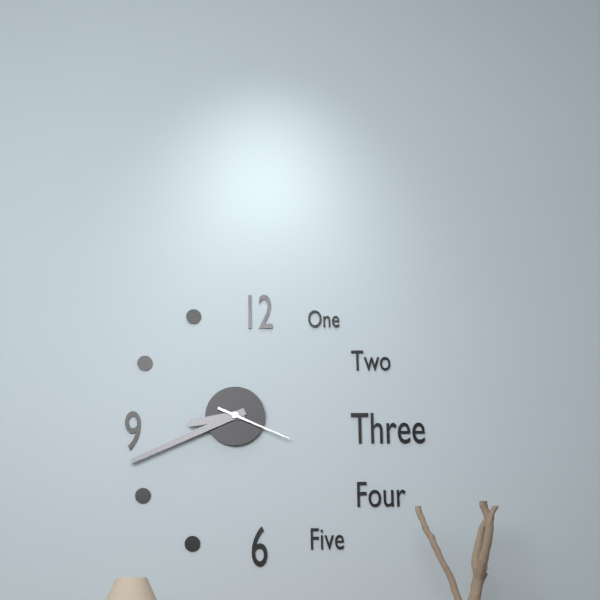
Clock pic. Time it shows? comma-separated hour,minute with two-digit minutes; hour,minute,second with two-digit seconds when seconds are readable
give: 8,41,19
